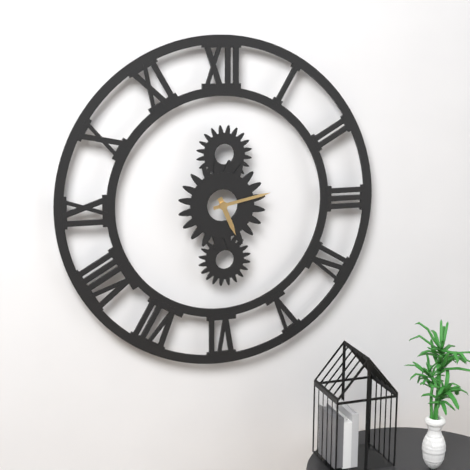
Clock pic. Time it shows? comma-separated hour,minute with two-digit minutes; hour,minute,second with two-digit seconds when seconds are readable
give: 5,13
